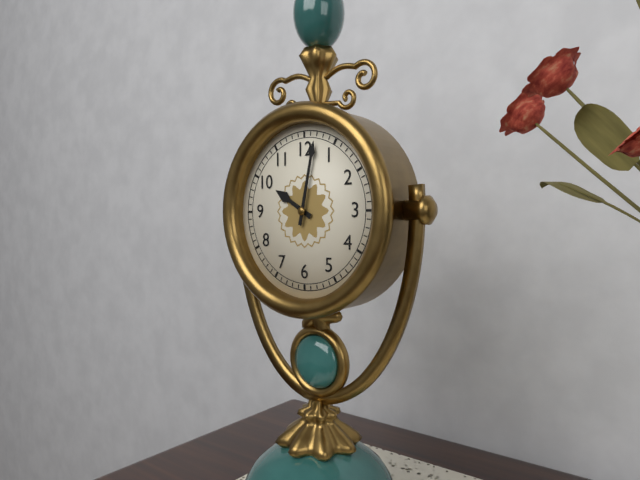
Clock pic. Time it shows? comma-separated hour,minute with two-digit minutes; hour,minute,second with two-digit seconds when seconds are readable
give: 10,02
